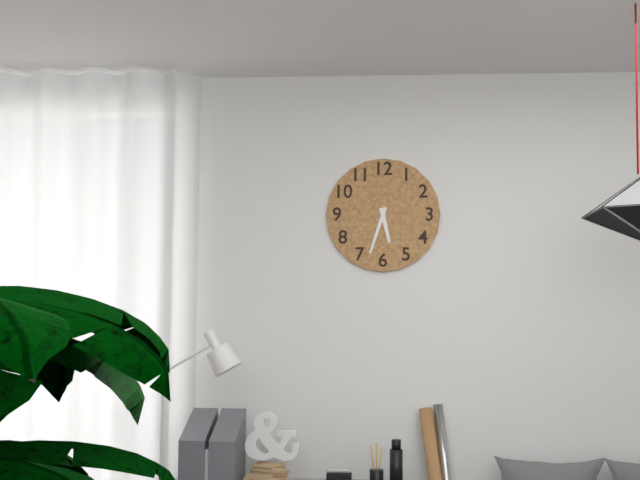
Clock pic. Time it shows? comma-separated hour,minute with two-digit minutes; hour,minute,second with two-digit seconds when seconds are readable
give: 5,33
